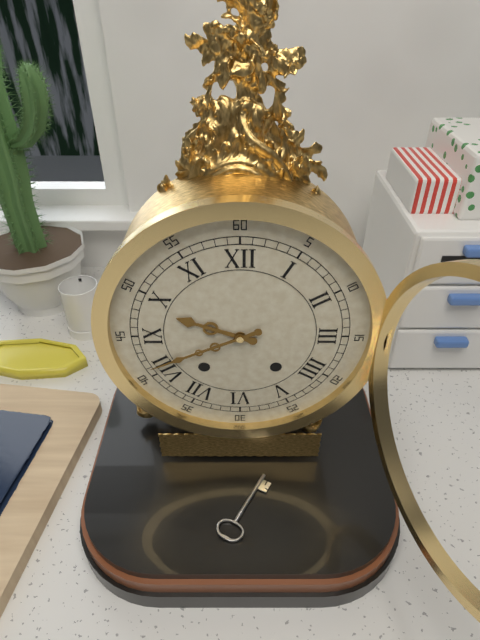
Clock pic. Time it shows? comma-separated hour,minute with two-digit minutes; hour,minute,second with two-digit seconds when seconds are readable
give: 9,41
